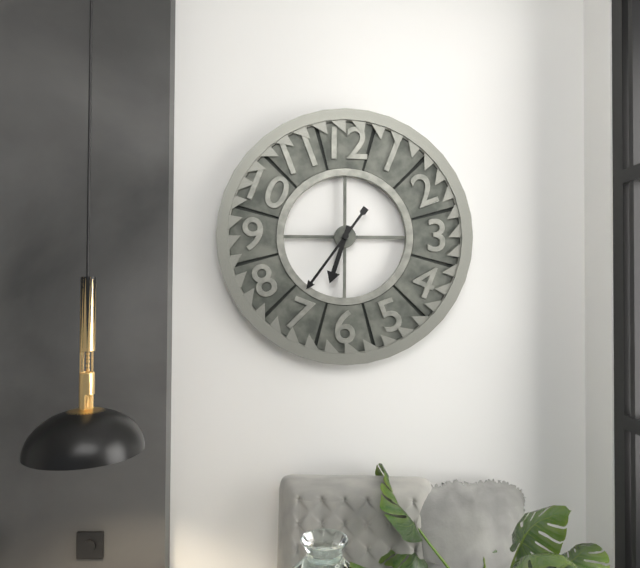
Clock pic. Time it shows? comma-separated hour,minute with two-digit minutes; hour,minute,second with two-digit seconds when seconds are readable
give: 6,36
